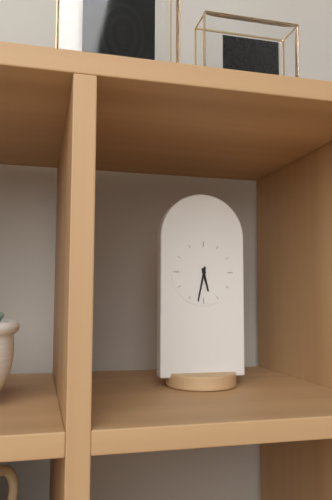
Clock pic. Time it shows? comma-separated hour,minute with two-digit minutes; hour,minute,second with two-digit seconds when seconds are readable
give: 5,32
